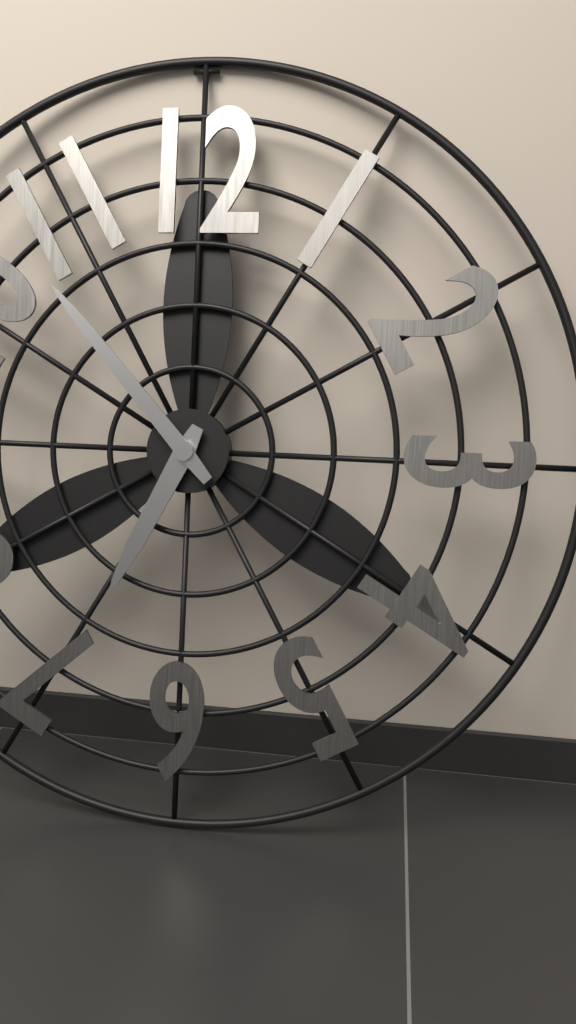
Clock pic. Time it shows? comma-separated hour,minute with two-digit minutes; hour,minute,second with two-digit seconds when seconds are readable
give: 6,53
